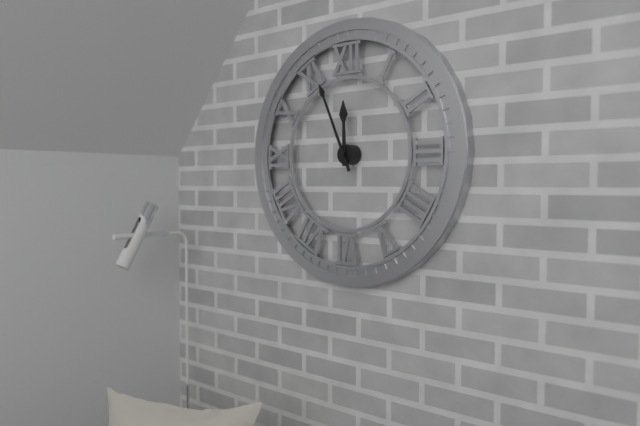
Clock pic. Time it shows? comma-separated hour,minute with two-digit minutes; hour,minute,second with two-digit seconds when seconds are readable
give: 11,56
